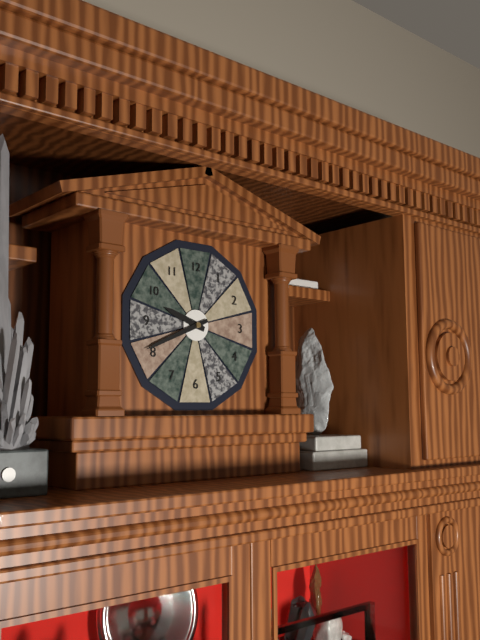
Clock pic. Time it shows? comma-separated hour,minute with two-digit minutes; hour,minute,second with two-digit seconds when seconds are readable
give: 9,41
